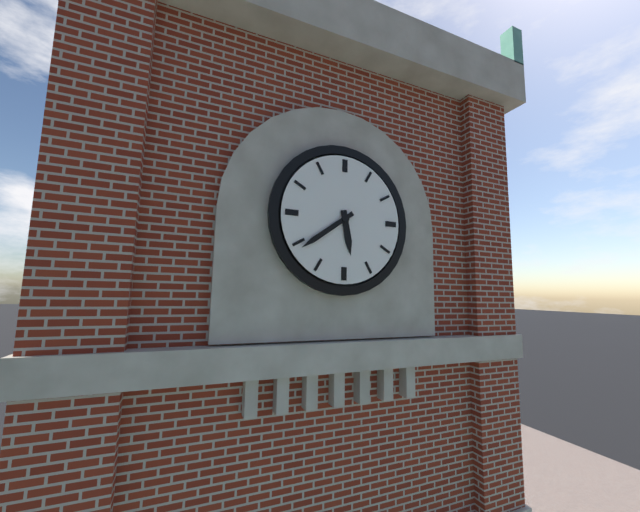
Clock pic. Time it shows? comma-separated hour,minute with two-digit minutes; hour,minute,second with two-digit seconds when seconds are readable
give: 5,39
